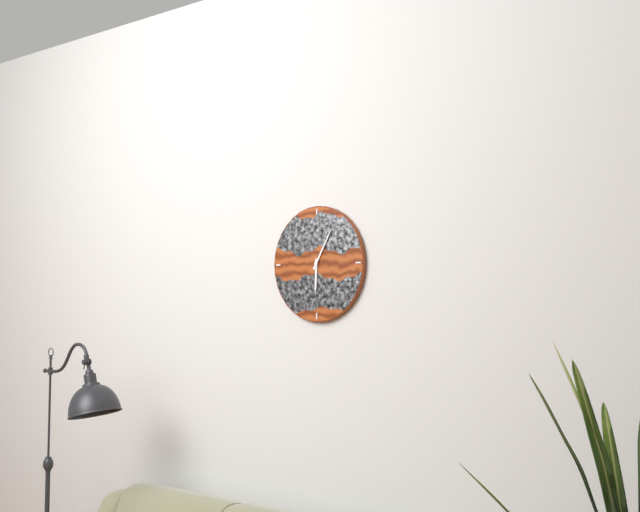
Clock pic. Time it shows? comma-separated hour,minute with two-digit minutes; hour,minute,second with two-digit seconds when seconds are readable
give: 6,05
